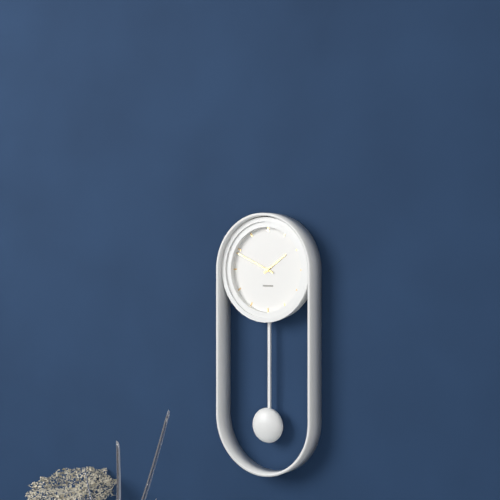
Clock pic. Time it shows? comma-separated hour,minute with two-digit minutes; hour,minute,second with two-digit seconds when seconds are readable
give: 1,49
